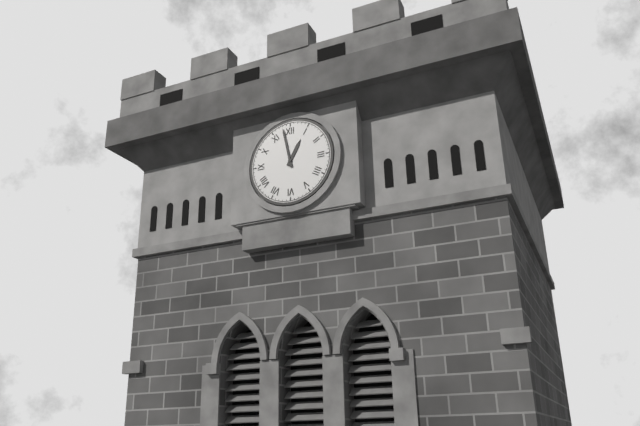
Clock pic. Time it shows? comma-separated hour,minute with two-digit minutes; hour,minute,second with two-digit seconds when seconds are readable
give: 12,58
